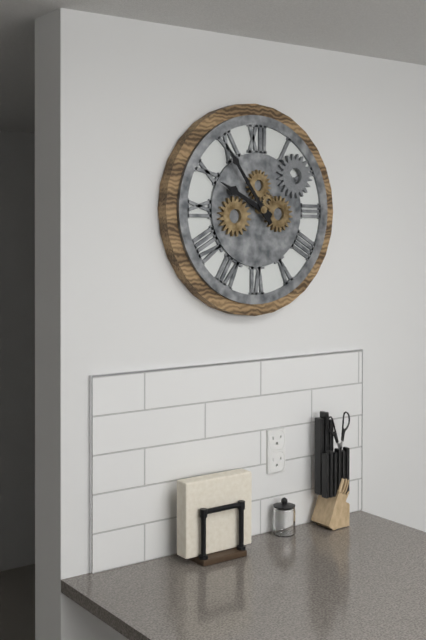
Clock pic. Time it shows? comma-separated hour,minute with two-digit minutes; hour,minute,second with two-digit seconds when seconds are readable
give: 9,54
